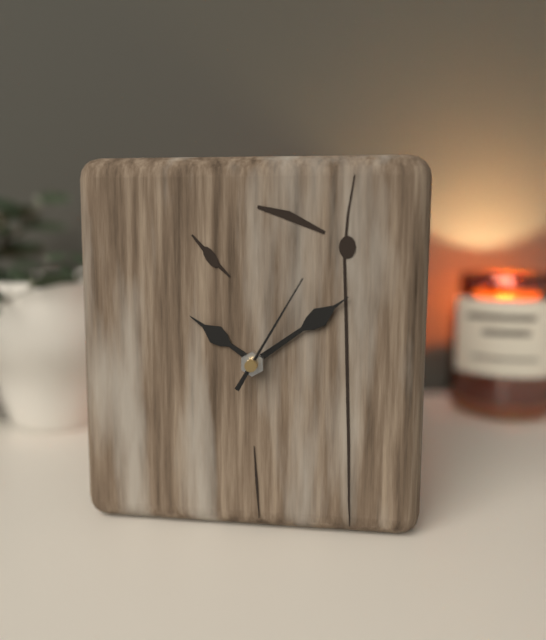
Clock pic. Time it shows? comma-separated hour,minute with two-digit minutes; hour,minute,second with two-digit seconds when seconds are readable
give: 10,09,05
